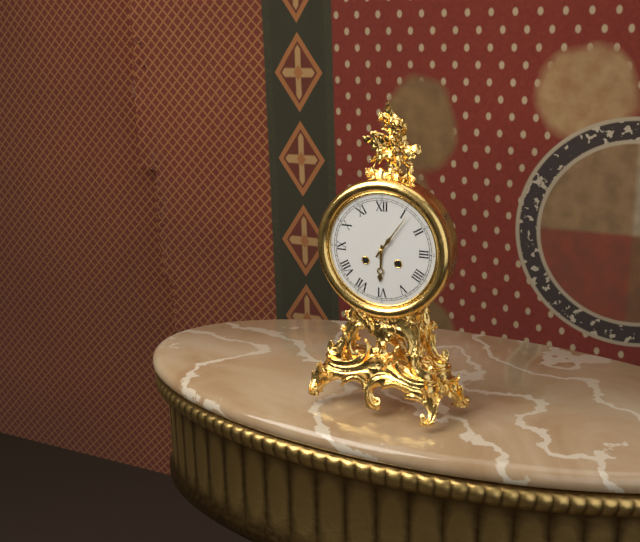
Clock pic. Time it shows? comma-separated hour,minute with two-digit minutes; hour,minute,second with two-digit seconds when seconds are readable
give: 6,06
